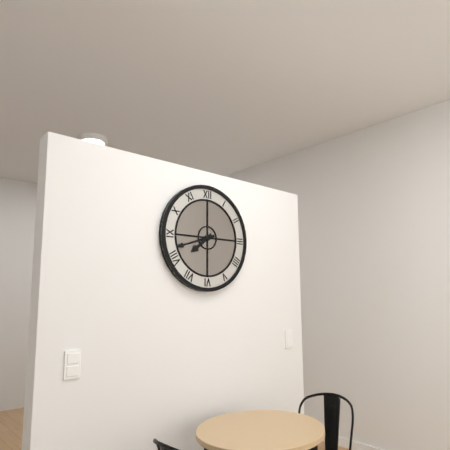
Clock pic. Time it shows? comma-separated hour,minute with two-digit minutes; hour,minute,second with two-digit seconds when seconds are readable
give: 7,42
